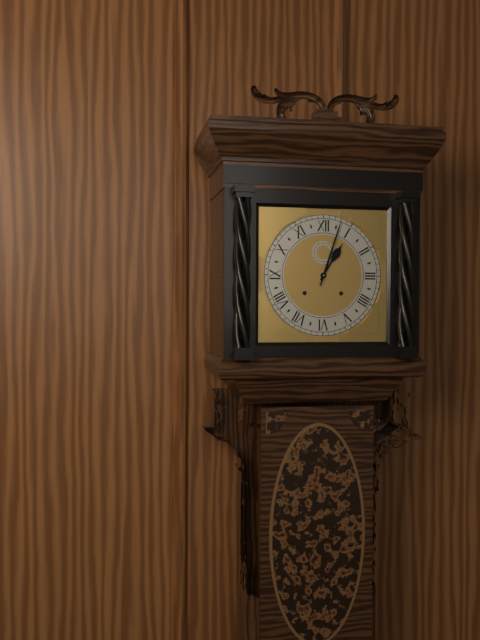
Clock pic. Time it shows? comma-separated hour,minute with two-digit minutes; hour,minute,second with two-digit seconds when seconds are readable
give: 1,03
